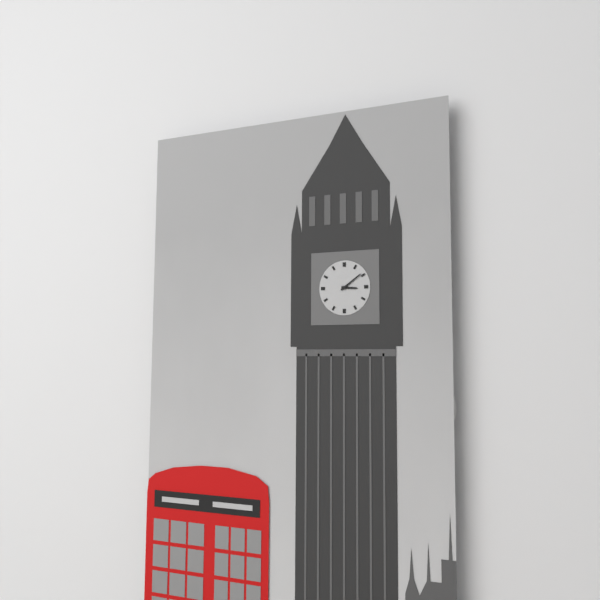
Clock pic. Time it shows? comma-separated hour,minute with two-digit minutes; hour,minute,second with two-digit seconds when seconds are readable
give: 3,09
